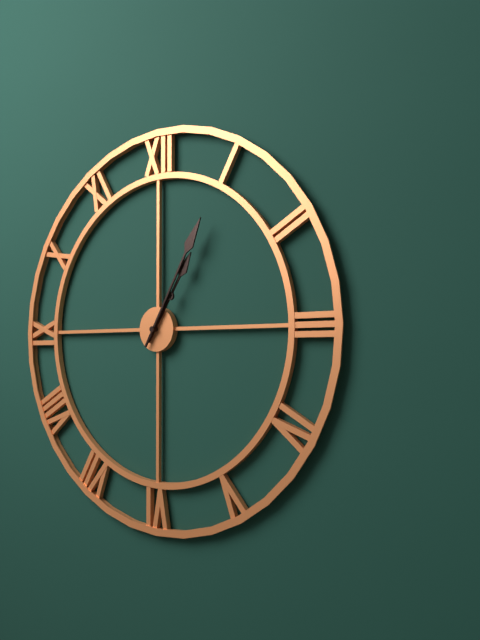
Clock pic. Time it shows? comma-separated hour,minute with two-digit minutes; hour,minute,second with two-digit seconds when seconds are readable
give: 1,05
